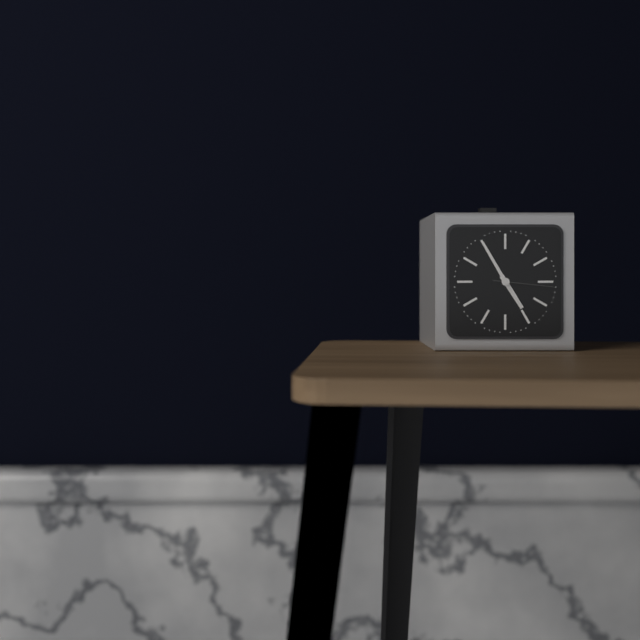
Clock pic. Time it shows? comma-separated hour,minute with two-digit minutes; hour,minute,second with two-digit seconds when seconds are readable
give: 4,55,16
